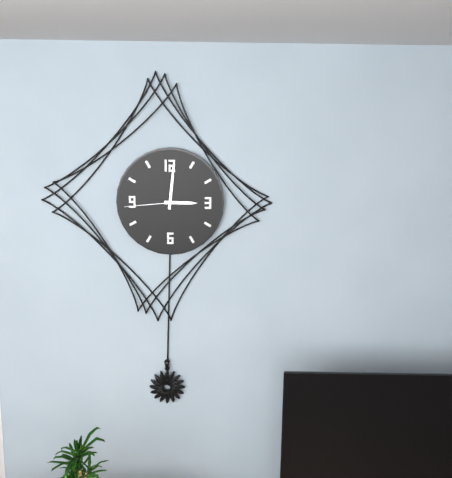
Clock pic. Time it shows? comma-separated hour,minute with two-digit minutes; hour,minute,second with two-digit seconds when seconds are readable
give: 3,01,44
